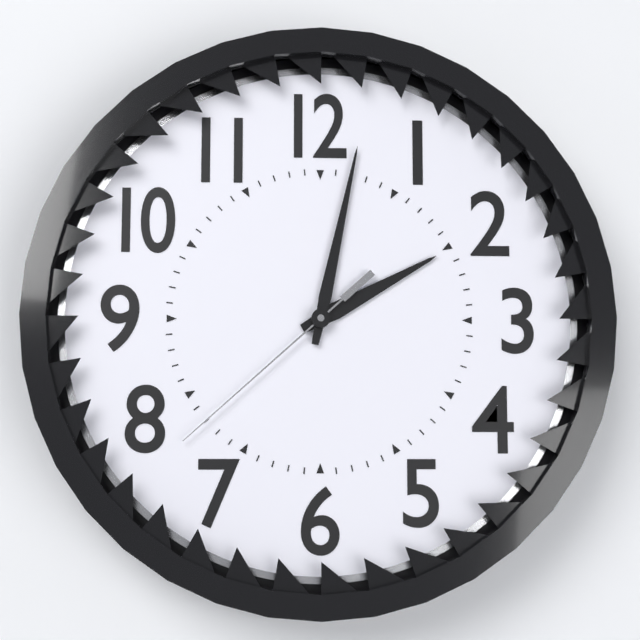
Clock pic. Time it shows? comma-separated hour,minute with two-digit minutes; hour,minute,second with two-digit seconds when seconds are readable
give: 2,02,38
